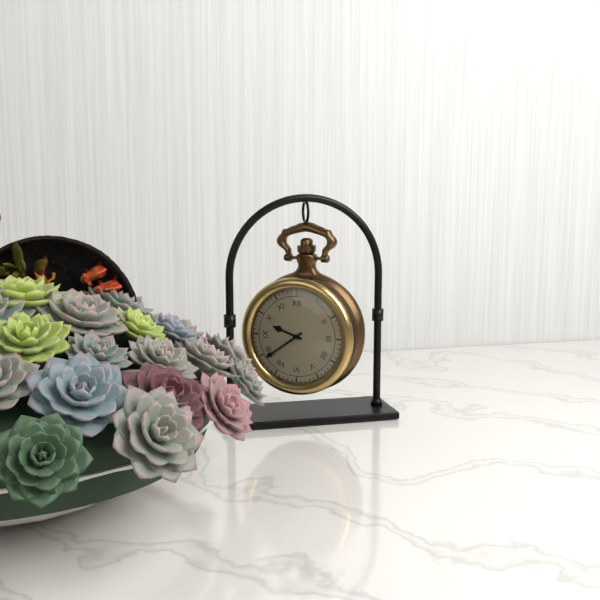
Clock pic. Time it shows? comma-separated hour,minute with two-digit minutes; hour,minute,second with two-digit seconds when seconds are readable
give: 9,39
